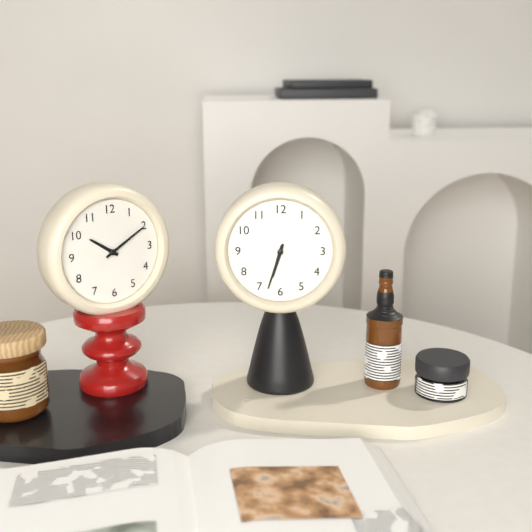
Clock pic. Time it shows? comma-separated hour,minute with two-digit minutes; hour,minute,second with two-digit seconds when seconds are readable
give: 6,33
